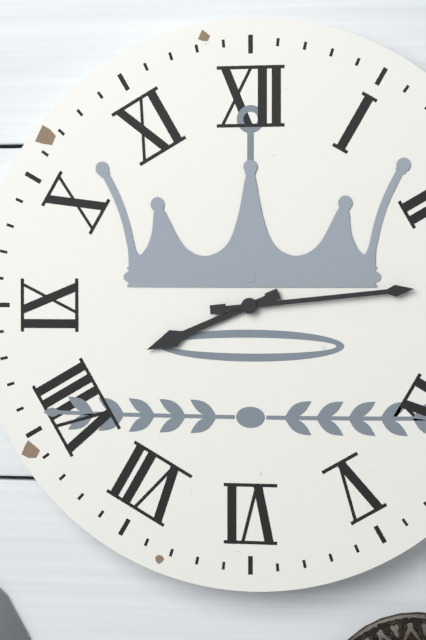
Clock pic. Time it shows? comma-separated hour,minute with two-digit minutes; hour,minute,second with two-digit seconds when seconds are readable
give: 8,14
